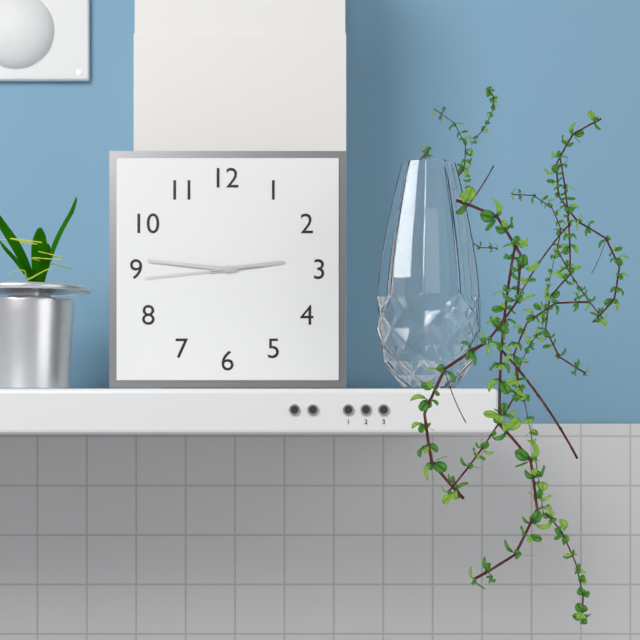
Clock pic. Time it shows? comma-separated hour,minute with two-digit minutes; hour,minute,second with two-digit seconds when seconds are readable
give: 2,46,44
